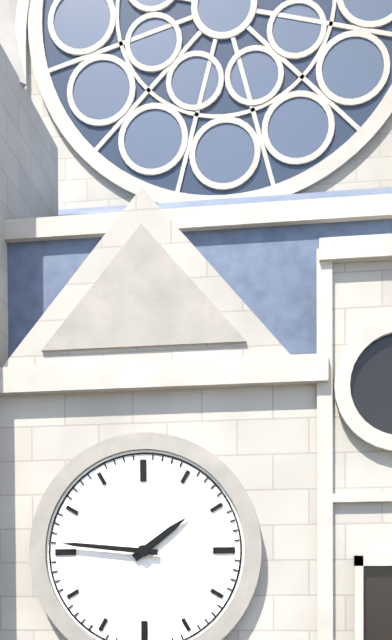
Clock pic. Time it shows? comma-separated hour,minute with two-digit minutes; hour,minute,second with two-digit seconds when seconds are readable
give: 1,46
